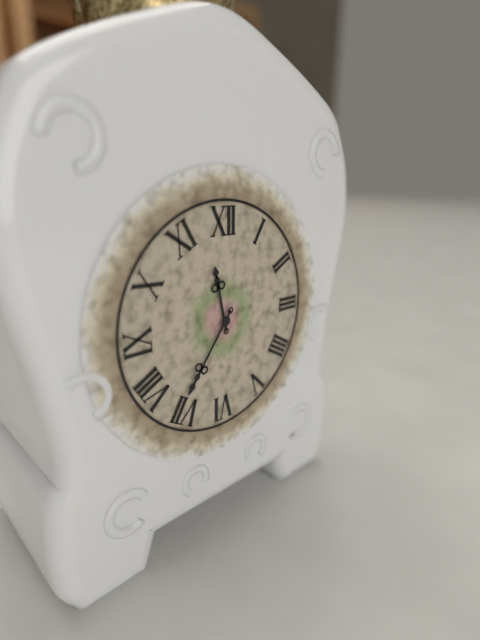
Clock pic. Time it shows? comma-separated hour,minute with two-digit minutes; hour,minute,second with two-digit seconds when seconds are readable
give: 11,36
